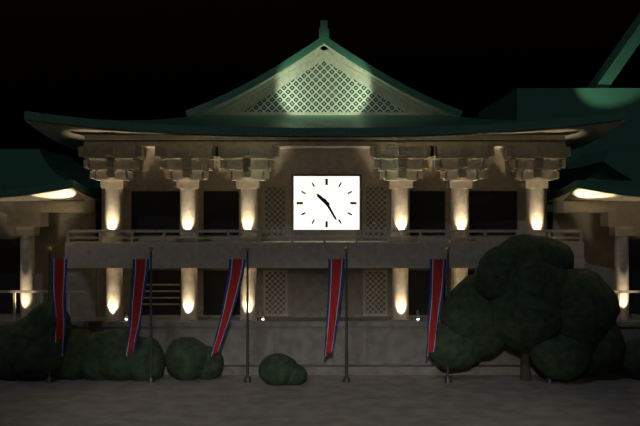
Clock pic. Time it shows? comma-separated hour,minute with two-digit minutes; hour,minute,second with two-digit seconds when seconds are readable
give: 10,25
